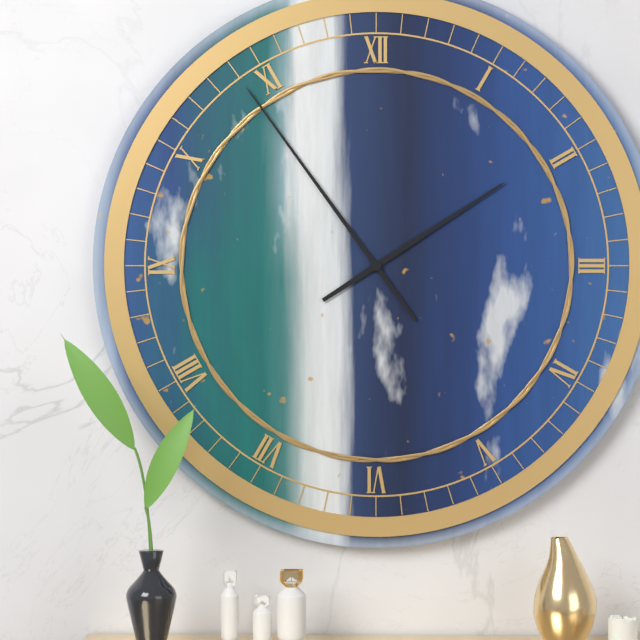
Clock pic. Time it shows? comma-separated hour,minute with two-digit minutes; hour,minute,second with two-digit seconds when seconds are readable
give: 1,54
